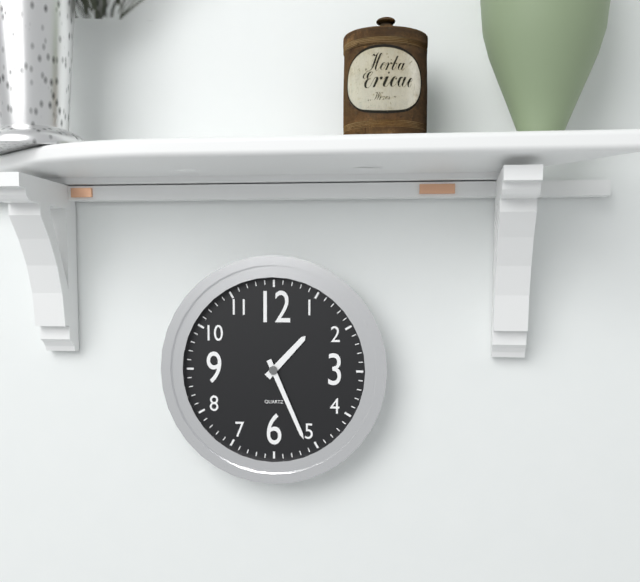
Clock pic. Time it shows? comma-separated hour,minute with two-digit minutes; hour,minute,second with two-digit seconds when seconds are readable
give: 1,26
